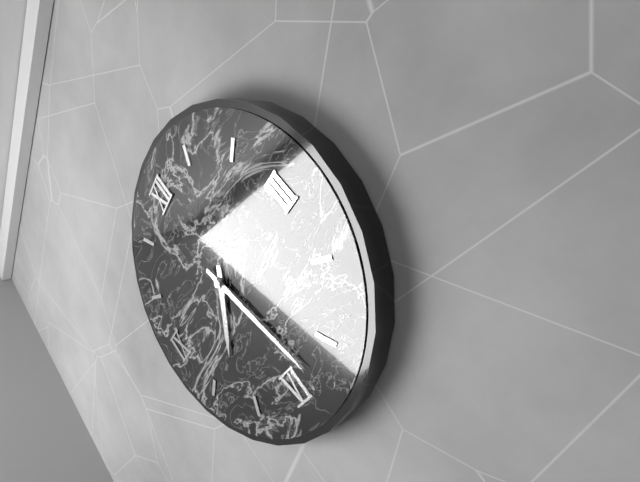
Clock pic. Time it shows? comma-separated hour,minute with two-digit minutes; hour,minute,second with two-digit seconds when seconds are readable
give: 7,28
